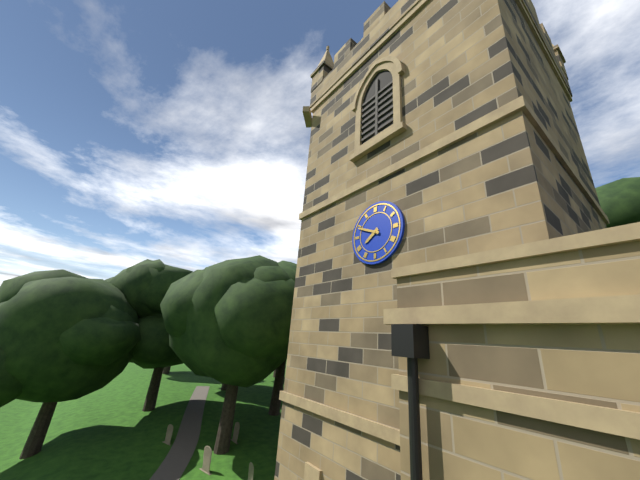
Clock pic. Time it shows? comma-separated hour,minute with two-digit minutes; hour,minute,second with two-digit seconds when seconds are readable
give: 7,49
